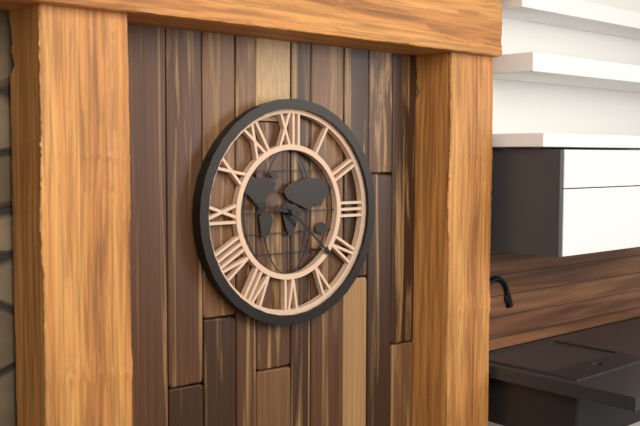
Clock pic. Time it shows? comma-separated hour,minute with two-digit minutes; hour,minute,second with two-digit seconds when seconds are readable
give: 9,22
